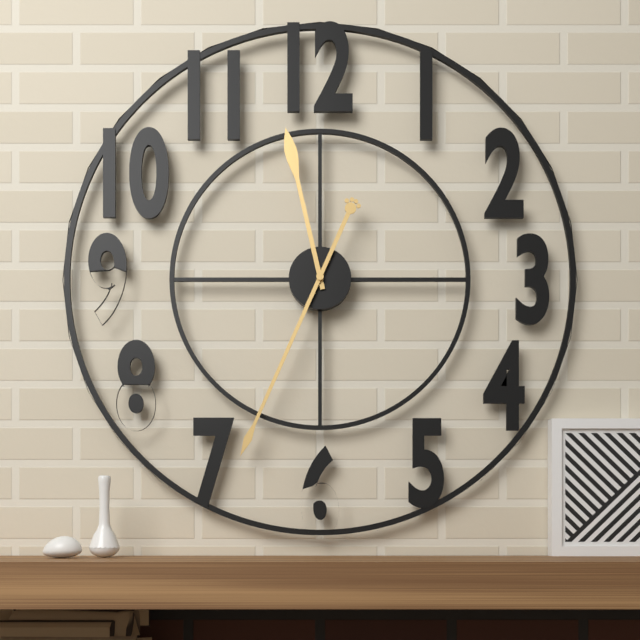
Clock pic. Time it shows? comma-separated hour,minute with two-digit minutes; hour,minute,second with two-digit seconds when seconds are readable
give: 11,34
